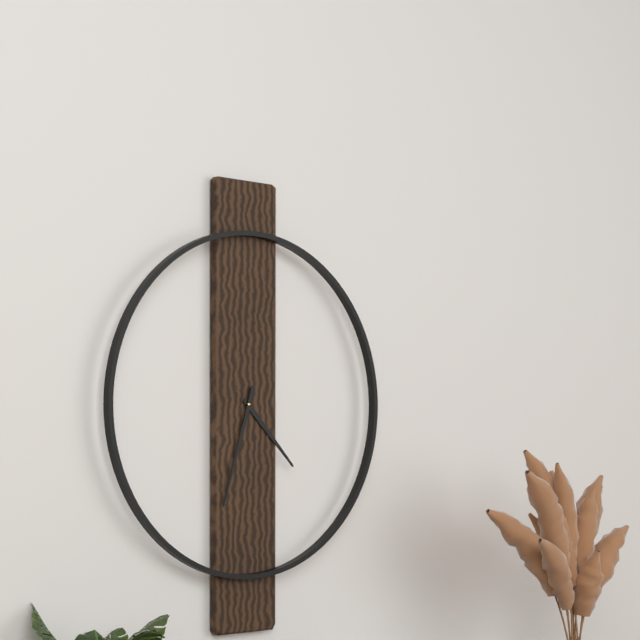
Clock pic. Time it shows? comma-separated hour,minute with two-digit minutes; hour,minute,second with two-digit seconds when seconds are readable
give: 4,33
